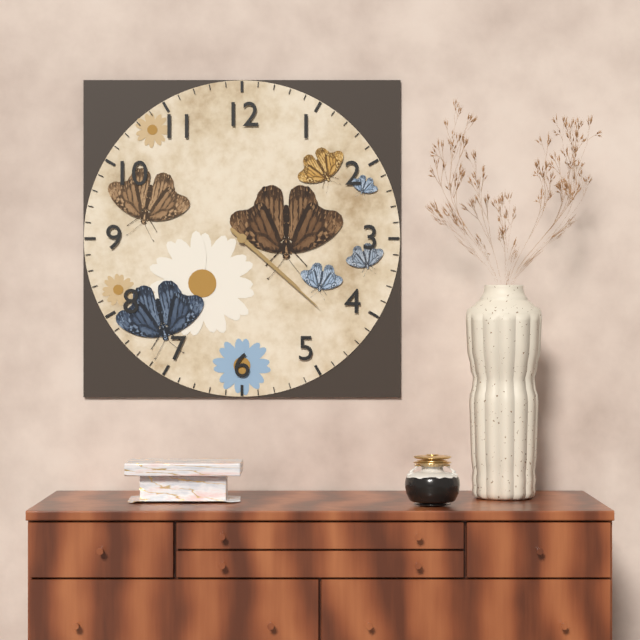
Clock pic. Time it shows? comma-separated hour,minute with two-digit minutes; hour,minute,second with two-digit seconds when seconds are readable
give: 4,22
